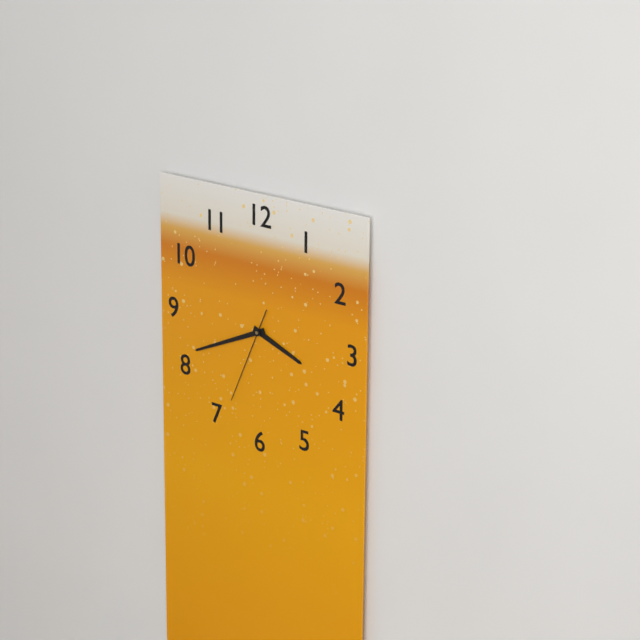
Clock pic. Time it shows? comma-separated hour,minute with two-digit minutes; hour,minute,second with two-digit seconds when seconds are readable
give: 3,41,34
